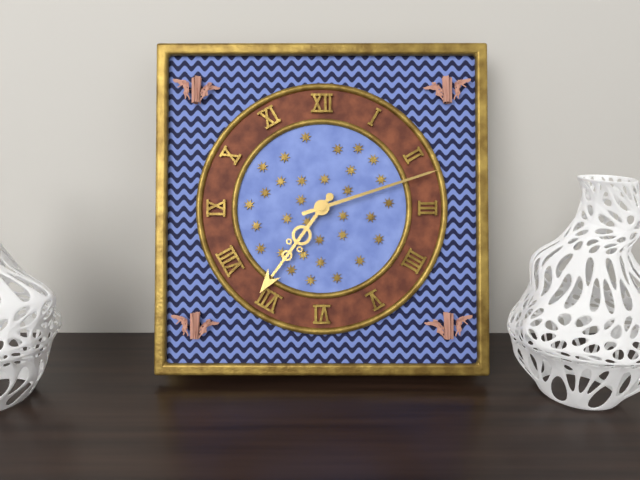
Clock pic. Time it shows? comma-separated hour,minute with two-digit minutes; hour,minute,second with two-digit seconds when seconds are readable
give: 7,12
